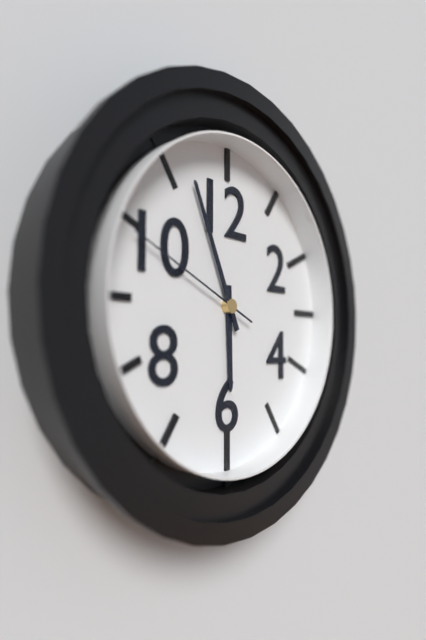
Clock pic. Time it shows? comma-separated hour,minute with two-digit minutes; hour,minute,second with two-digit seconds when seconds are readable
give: 5,56,49
